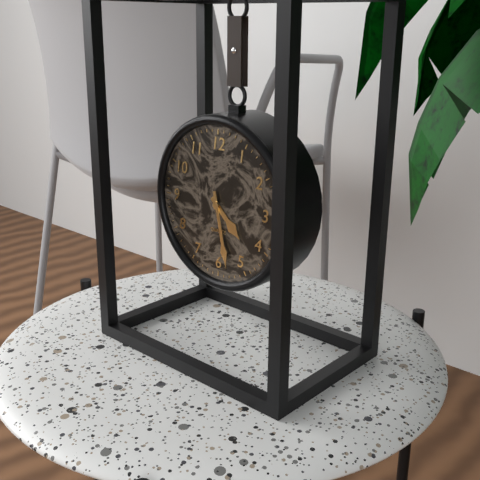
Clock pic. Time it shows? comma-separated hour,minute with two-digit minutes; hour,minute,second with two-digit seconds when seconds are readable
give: 4,28
